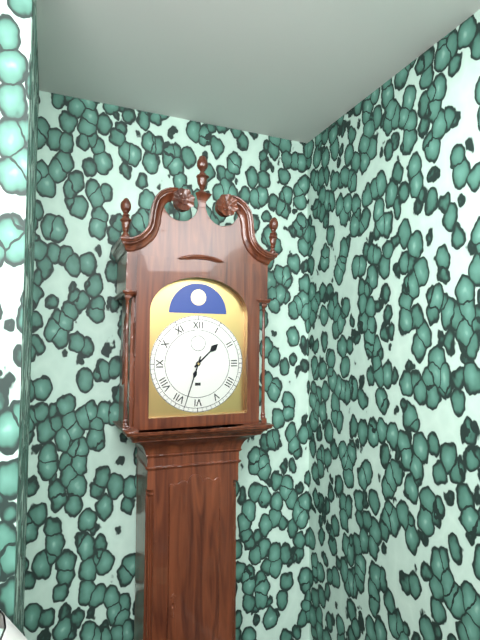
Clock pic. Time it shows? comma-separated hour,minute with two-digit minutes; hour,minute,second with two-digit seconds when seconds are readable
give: 1,33
